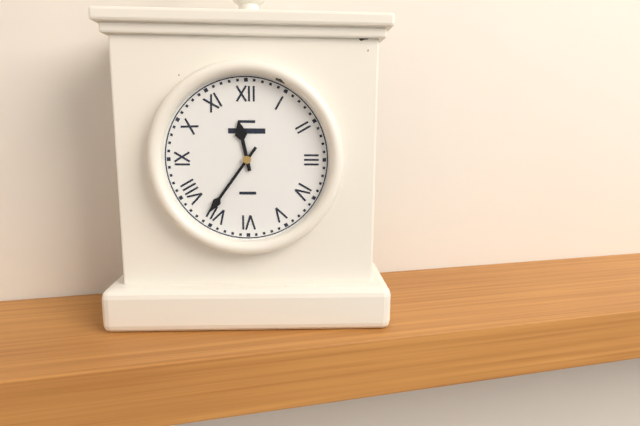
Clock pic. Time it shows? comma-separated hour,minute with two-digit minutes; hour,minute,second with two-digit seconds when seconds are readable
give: 11,36
